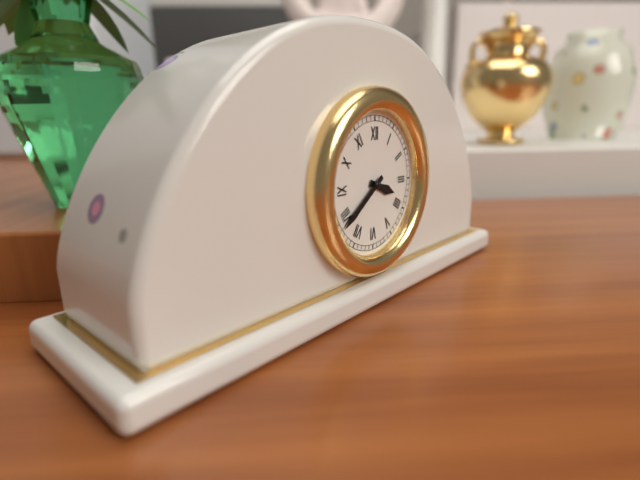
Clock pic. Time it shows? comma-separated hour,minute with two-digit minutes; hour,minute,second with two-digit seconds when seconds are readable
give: 3,39
